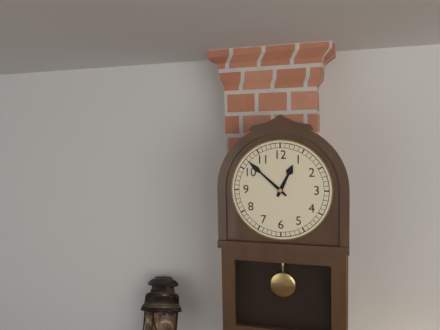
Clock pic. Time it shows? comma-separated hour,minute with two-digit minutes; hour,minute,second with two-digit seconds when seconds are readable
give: 12,52
